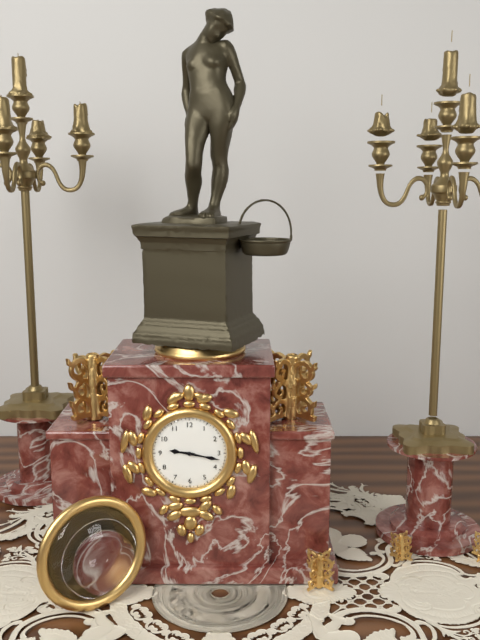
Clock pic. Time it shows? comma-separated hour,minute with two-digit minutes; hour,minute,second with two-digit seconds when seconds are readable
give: 9,17
